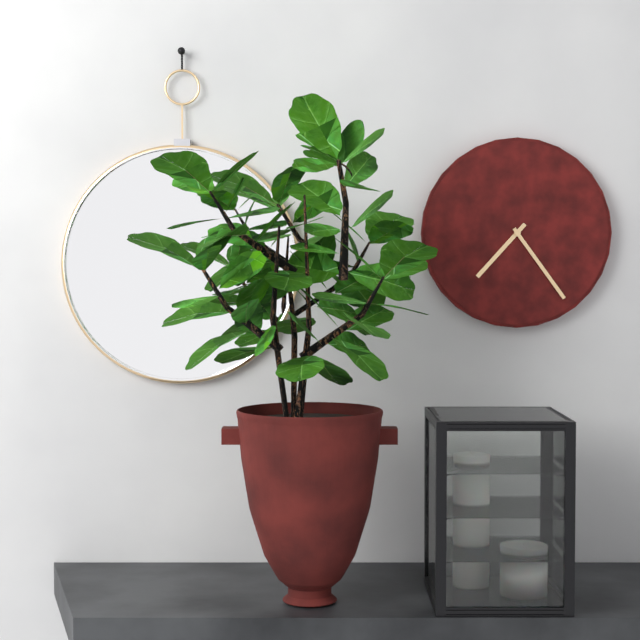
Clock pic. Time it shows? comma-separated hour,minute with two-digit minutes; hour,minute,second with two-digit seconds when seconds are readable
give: 7,24
